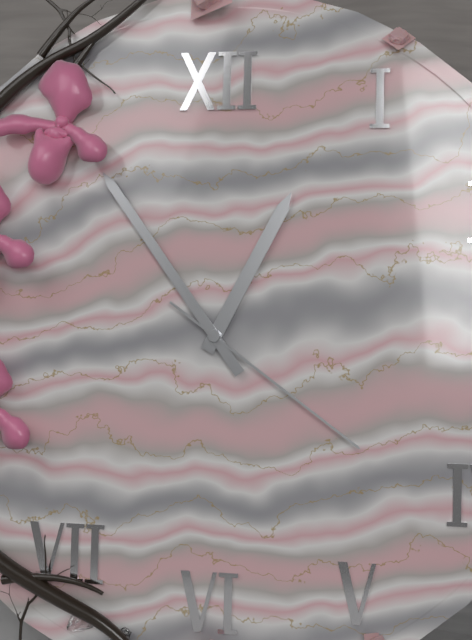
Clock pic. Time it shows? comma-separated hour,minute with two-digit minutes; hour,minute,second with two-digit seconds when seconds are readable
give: 12,54,21
